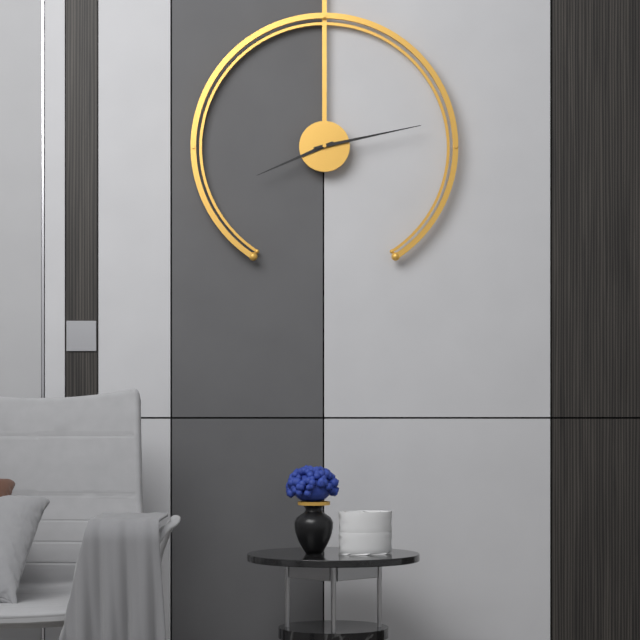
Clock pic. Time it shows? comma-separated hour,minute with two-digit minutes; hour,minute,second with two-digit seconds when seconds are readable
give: 8,13
